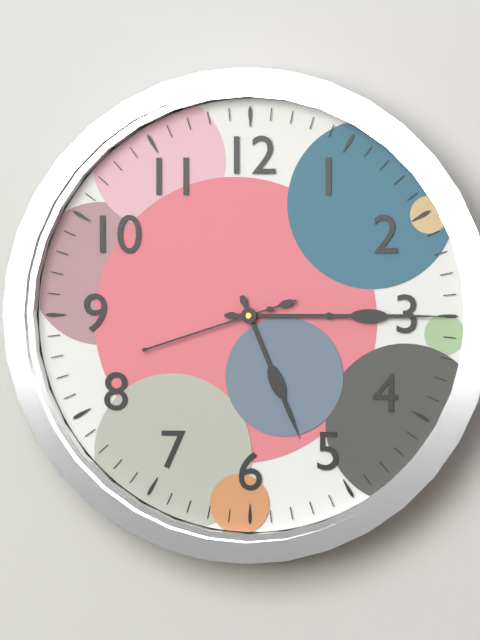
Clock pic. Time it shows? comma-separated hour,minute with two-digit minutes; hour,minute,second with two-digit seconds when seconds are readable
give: 5,15,42
